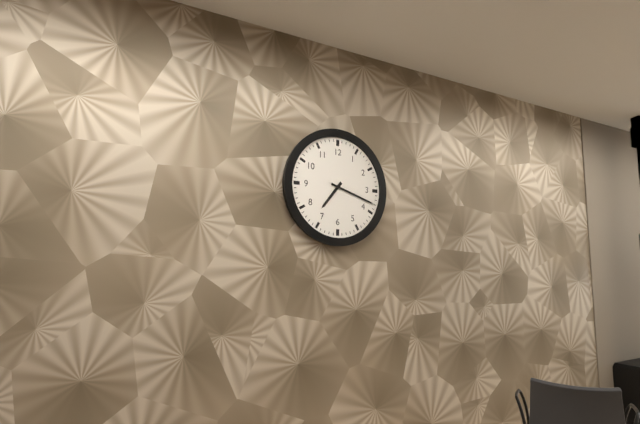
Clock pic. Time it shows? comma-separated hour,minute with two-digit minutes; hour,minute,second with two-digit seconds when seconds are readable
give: 7,18
